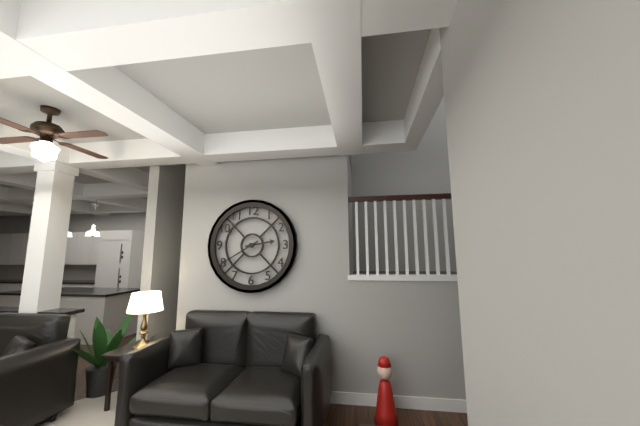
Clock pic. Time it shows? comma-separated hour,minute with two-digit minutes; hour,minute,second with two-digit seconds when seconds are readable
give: 2,40
